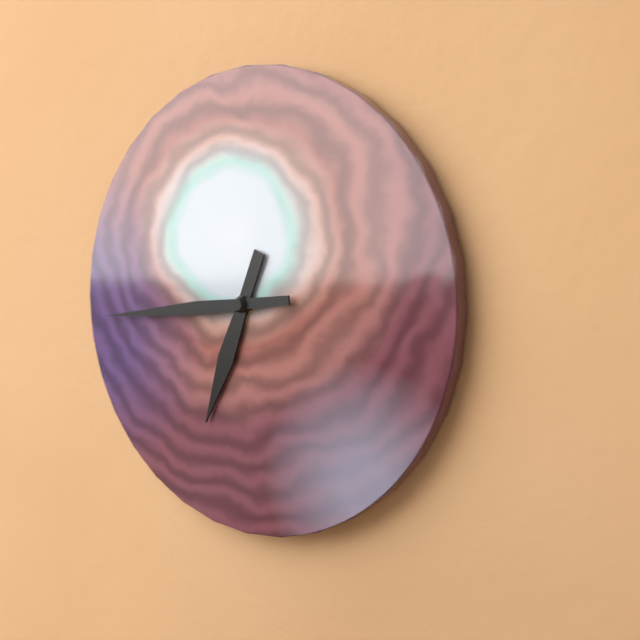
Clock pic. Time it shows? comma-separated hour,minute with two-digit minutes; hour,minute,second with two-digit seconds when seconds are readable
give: 6,44
